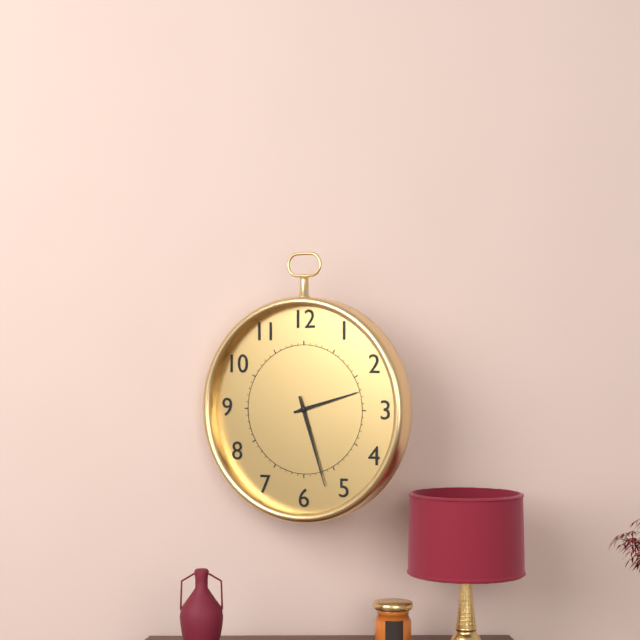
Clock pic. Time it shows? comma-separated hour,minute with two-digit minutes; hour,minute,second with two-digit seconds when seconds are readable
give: 2,27
